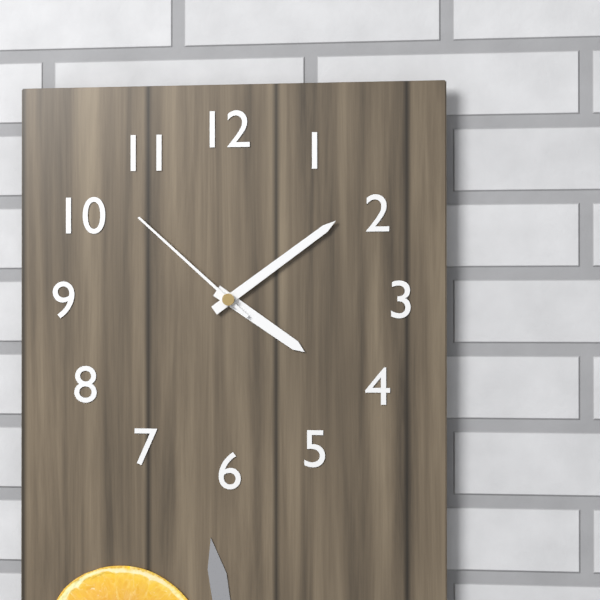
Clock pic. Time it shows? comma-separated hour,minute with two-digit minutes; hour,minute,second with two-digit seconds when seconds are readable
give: 4,09,52
